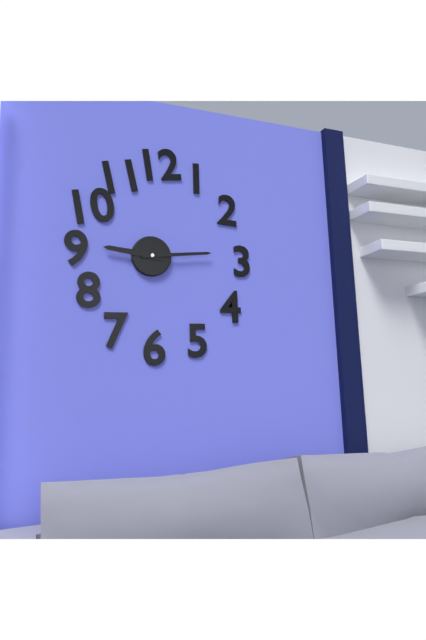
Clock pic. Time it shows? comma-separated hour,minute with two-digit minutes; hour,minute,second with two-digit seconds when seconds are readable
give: 9,14
